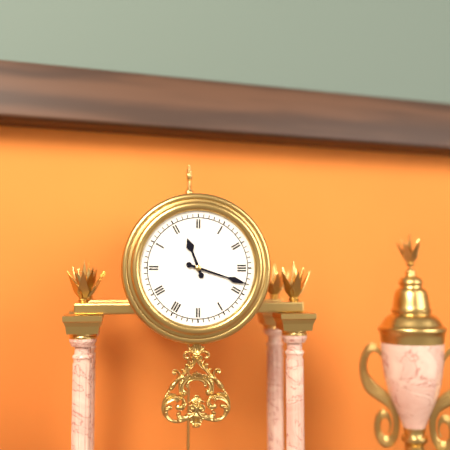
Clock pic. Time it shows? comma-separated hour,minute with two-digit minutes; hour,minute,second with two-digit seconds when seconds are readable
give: 11,18
